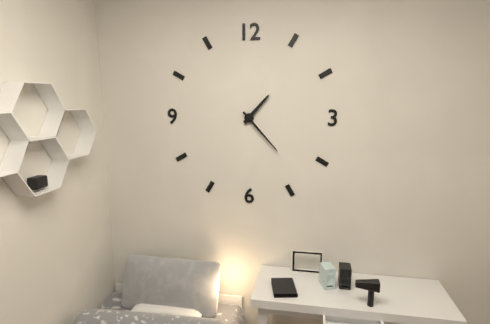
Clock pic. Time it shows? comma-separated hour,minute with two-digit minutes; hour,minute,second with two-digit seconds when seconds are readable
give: 1,23
